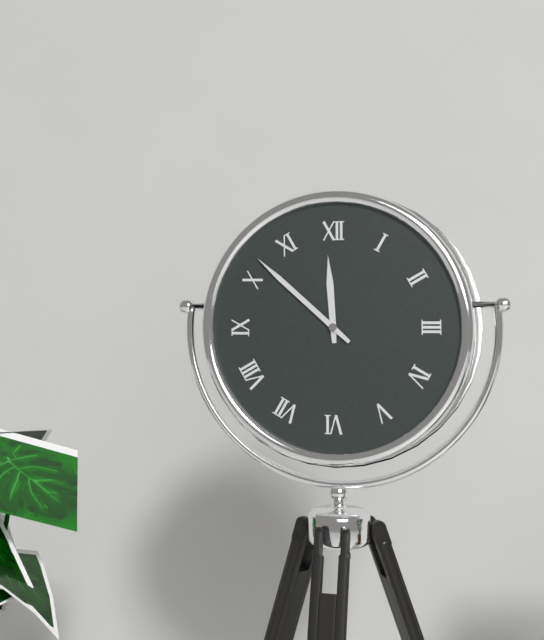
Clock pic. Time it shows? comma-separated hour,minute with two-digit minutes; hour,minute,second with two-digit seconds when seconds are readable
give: 11,52
